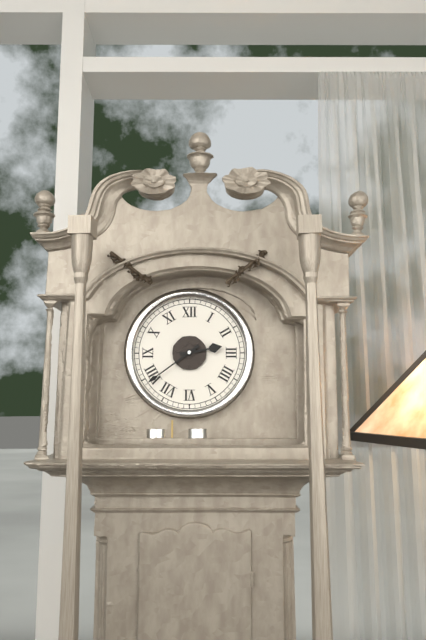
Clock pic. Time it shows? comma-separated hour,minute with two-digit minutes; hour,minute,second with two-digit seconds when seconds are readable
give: 2,39
